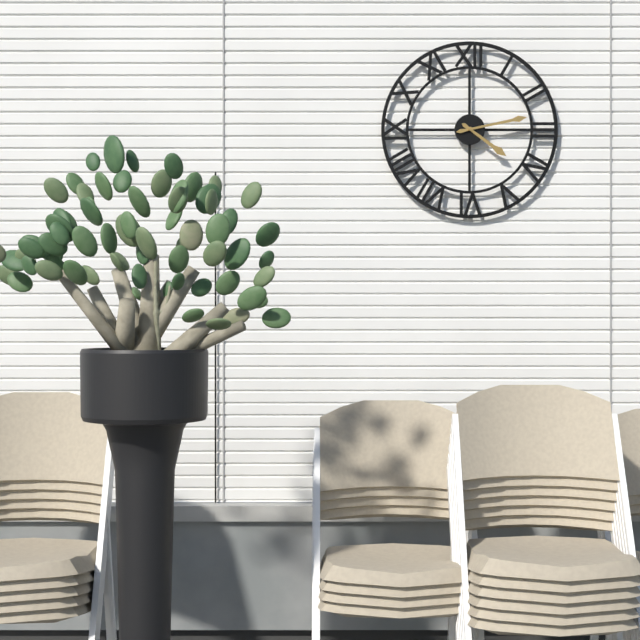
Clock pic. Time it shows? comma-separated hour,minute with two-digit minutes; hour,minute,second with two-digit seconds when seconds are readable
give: 4,13
